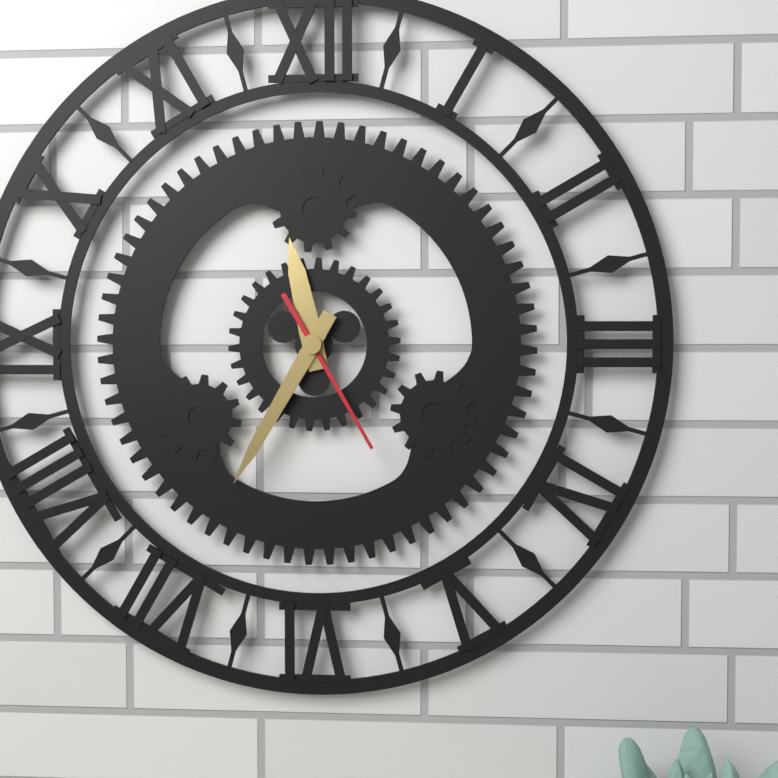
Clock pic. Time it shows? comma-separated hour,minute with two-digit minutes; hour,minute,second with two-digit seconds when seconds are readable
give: 11,35,25
